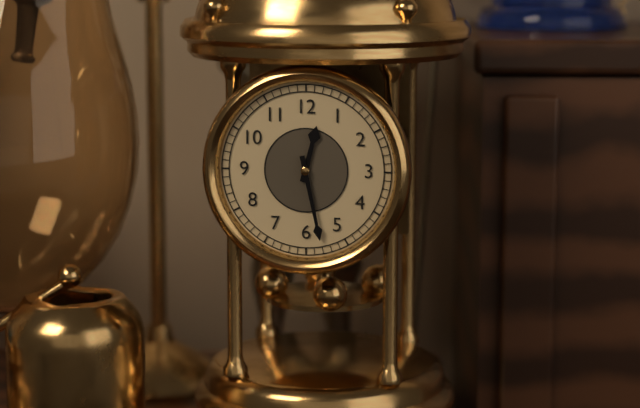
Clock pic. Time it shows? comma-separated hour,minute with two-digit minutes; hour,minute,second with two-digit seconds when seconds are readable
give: 12,28
